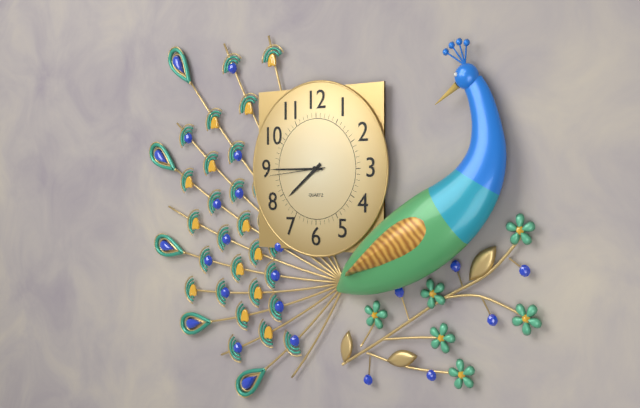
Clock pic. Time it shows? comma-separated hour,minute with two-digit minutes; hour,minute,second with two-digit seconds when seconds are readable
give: 7,45,44
